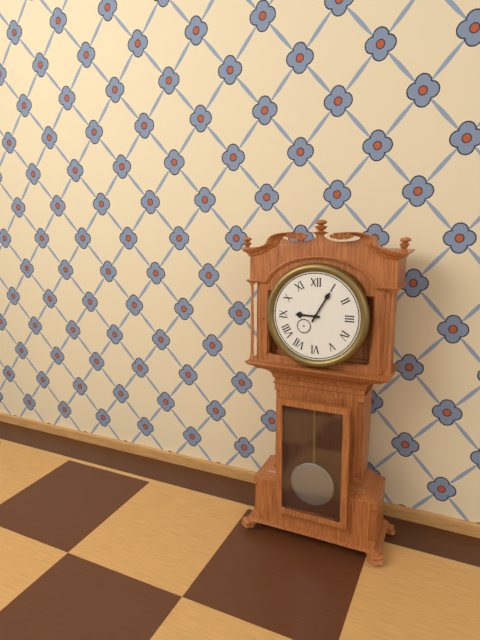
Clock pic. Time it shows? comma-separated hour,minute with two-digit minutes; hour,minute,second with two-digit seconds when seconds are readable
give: 9,05
